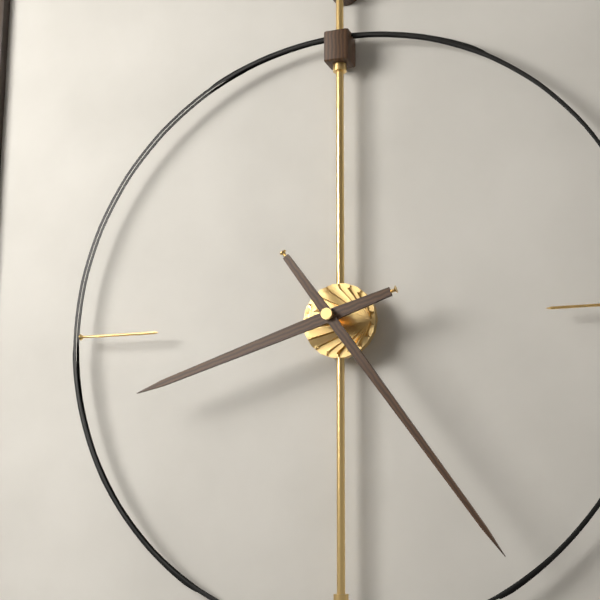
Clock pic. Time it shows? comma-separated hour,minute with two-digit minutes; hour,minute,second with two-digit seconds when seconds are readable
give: 8,24
